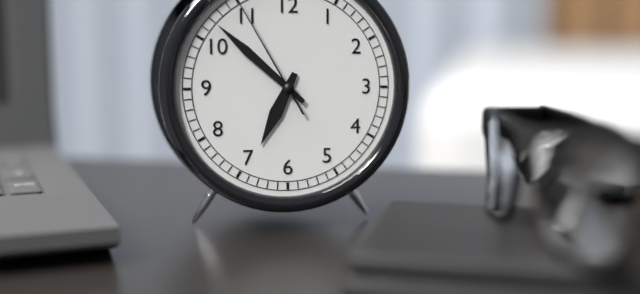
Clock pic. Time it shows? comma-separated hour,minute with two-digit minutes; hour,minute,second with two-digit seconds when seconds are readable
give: 6,52,55
